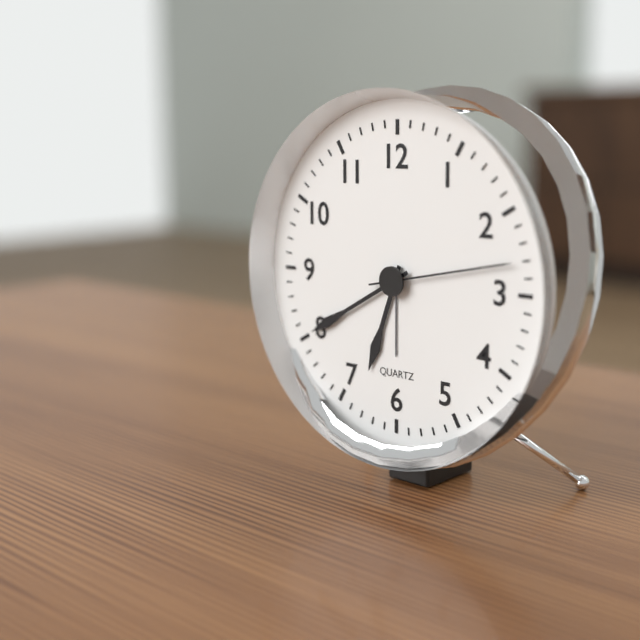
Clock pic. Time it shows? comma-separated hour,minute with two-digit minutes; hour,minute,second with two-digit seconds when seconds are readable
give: 6,40,13
